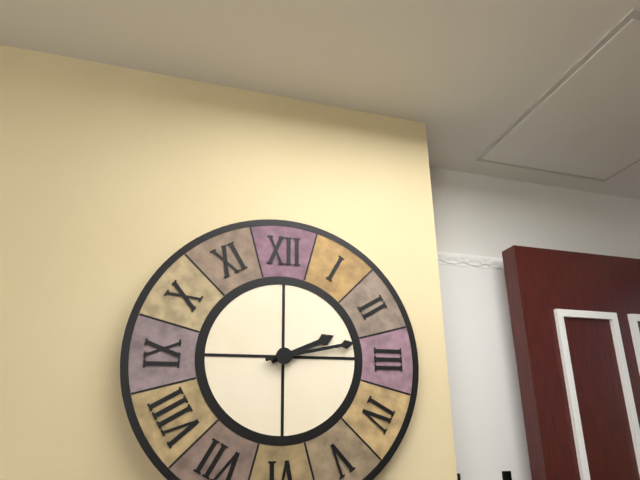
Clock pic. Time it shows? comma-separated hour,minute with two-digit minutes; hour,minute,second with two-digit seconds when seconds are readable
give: 2,13
